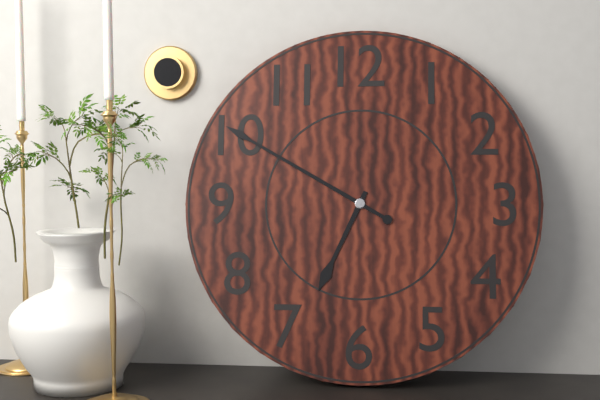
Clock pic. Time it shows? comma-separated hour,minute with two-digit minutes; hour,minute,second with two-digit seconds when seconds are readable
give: 6,50
